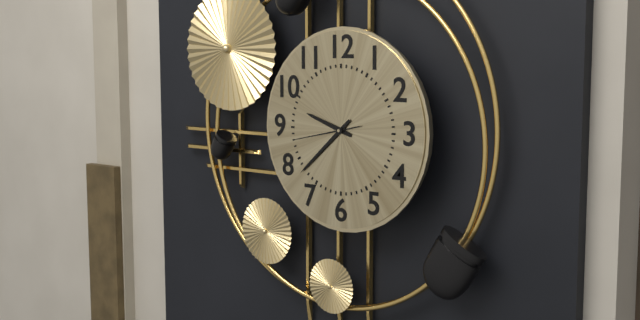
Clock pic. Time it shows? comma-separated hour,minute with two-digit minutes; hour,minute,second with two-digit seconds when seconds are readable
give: 9,38,43
